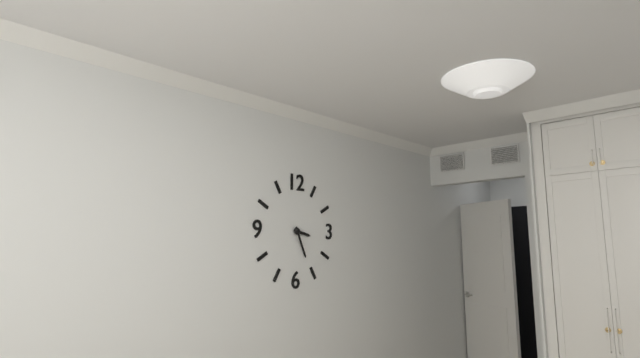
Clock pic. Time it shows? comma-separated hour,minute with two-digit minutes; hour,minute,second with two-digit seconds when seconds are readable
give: 3,26
